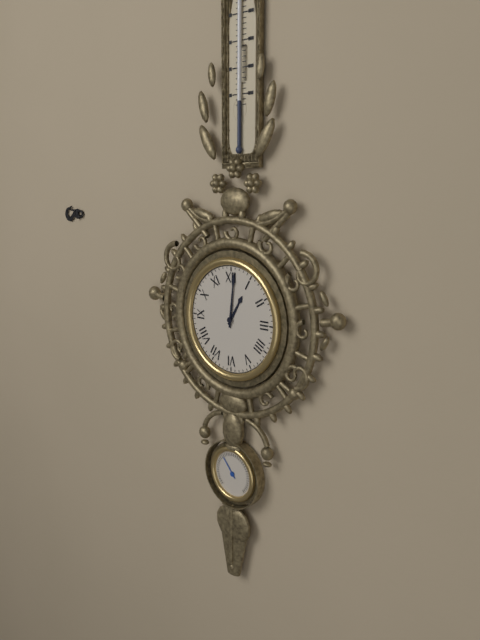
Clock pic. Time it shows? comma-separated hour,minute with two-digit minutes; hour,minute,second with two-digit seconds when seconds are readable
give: 1,01
